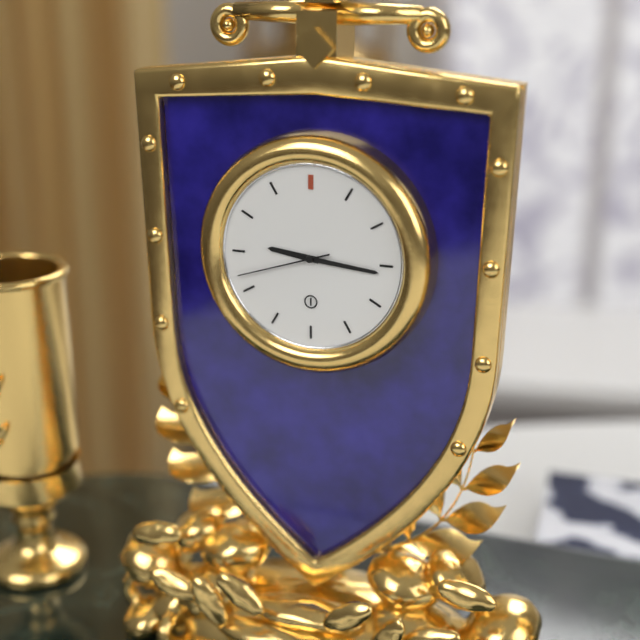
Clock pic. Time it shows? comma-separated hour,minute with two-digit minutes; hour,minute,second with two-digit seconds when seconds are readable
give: 9,16,42
